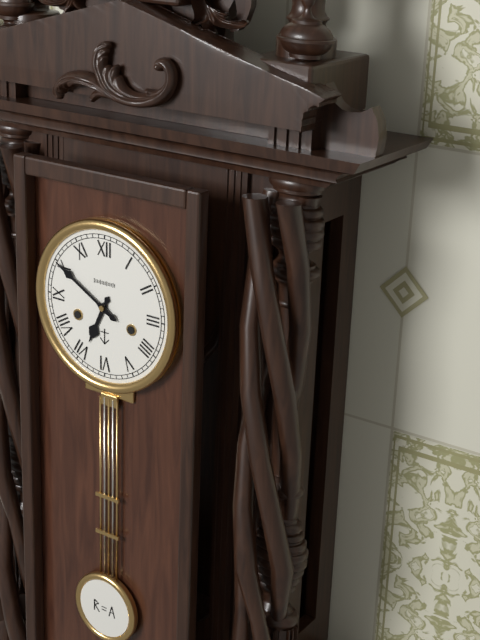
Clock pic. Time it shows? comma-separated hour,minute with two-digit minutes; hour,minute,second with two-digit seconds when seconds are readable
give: 6,50
